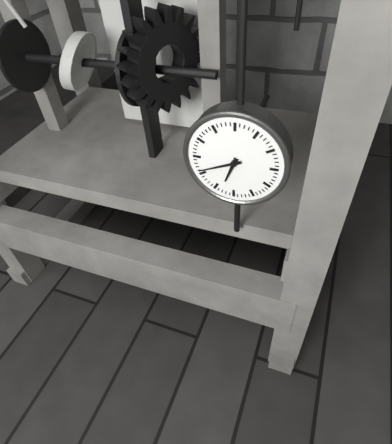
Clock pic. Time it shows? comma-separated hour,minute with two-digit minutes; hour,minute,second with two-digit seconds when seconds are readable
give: 6,41
